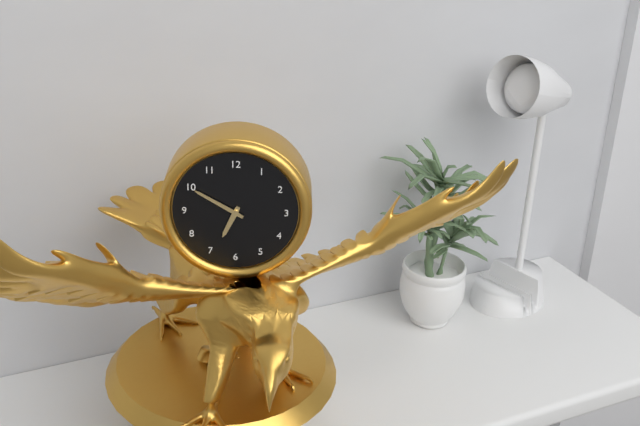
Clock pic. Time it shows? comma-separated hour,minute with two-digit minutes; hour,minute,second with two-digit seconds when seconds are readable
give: 6,50
